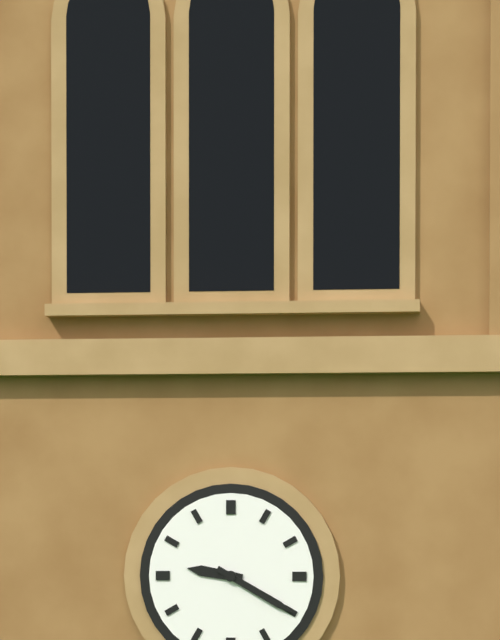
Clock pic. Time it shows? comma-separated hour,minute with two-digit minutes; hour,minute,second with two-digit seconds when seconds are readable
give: 9,20
